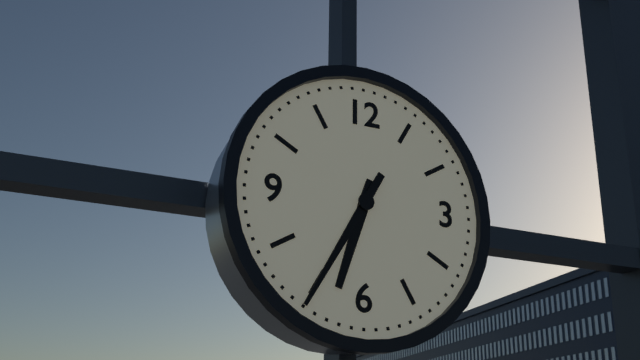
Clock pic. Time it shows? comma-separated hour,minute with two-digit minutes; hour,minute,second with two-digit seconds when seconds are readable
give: 6,35
